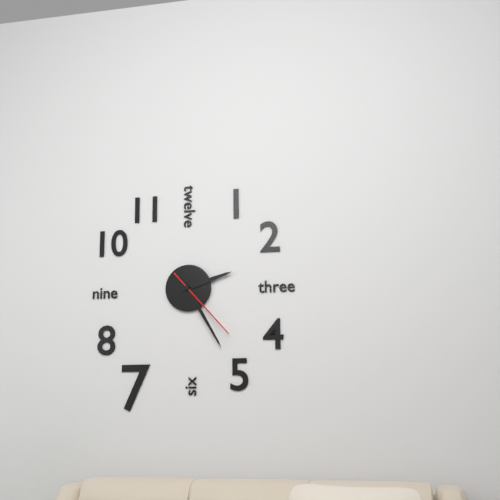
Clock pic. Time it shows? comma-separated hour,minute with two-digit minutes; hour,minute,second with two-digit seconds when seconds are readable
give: 2,25,23
